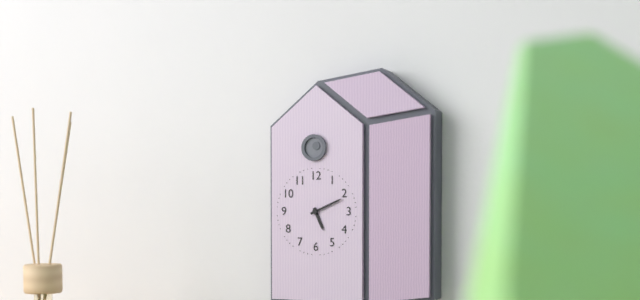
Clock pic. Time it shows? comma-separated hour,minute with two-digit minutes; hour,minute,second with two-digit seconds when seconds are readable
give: 5,11
